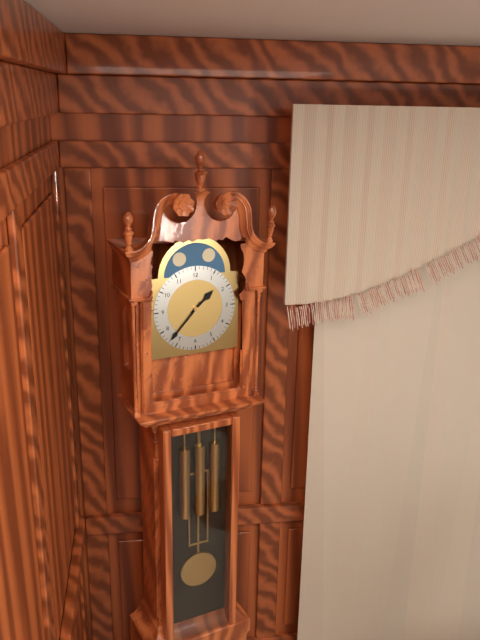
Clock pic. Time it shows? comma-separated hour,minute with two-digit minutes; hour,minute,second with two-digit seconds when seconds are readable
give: 1,37
